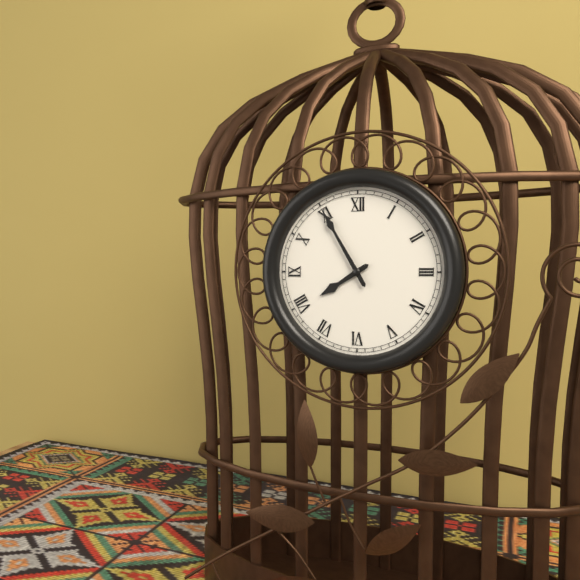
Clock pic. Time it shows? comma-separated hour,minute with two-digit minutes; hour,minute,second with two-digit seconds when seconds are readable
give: 7,55
